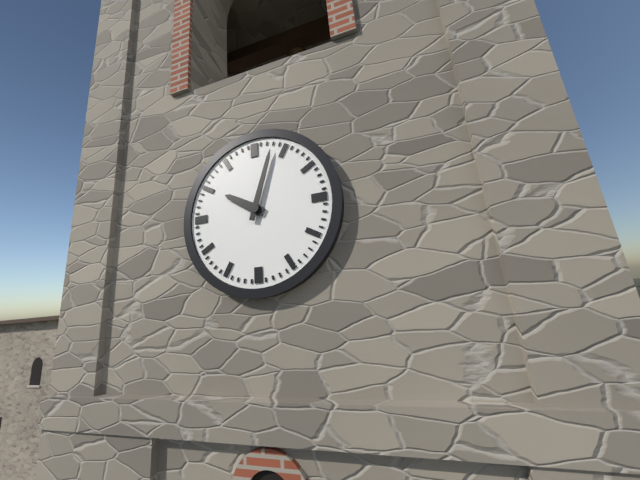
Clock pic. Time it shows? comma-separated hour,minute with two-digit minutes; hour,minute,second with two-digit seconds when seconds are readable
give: 10,03
